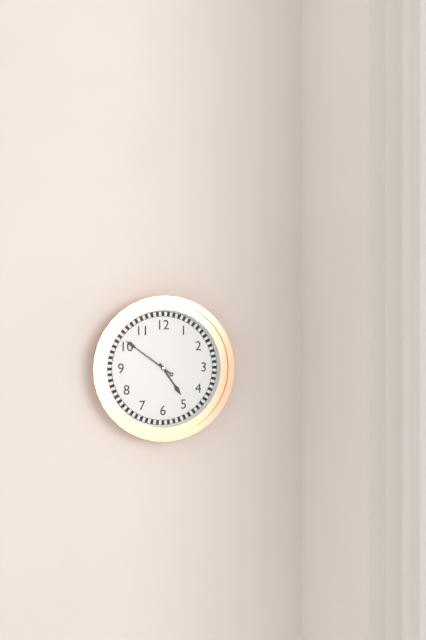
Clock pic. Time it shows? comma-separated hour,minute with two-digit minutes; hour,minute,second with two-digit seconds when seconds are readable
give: 4,51
